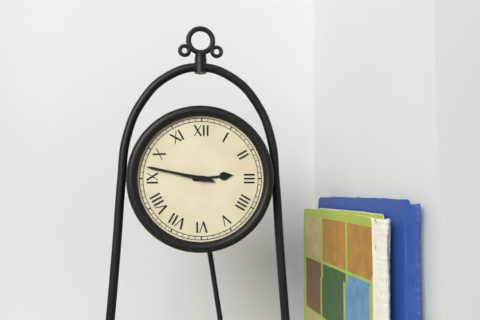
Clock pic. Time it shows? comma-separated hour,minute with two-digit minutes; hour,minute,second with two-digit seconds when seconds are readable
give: 2,47
